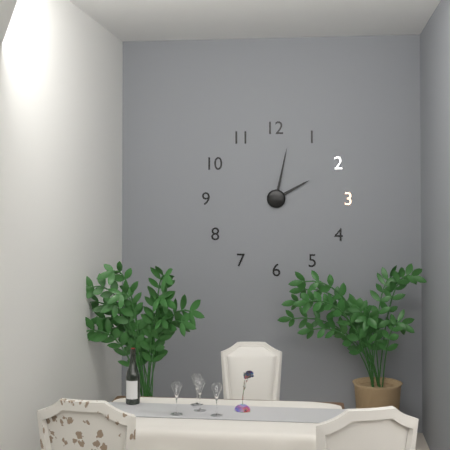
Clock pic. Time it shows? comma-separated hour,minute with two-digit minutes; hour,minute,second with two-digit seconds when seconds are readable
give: 2,02
